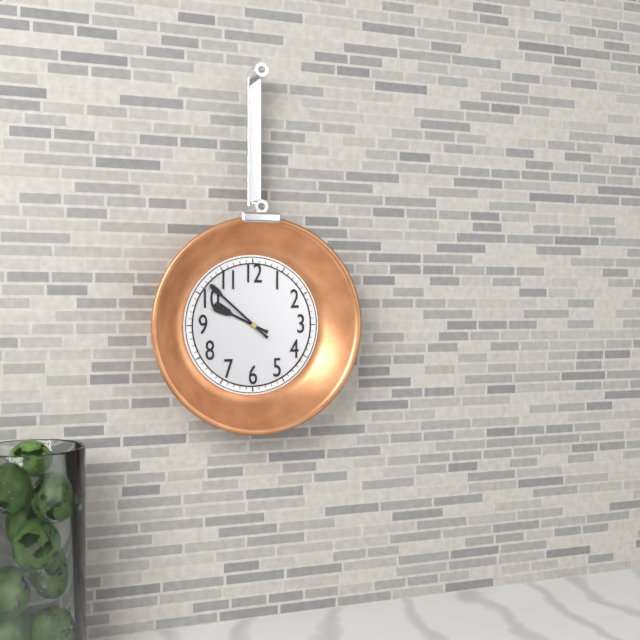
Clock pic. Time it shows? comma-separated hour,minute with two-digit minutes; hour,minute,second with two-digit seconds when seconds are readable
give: 9,52
